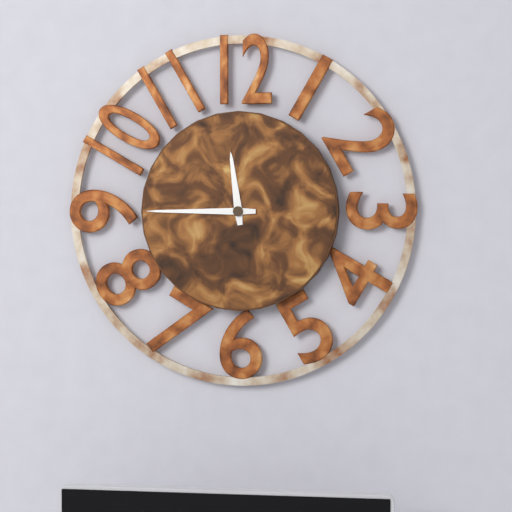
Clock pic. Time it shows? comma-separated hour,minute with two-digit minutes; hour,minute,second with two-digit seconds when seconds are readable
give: 11,45
